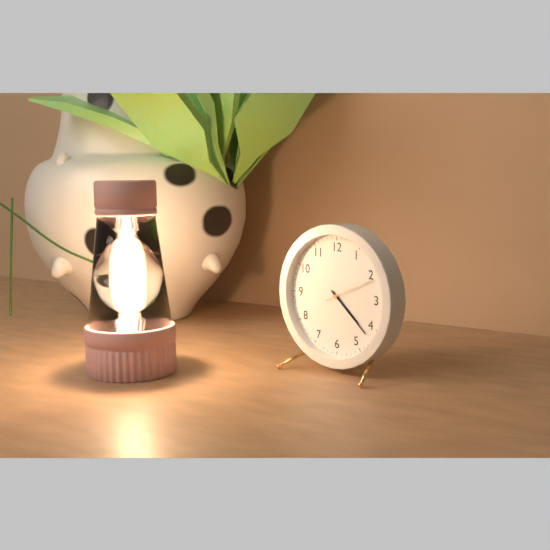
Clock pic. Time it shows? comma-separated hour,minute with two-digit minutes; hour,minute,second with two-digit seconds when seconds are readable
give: 4,22
